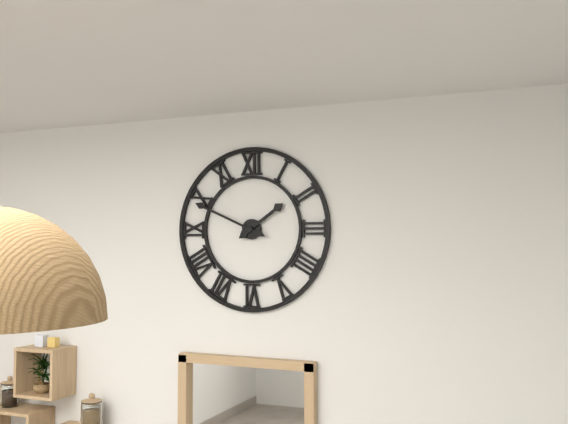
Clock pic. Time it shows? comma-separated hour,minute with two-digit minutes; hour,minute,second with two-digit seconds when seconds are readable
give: 1,49
